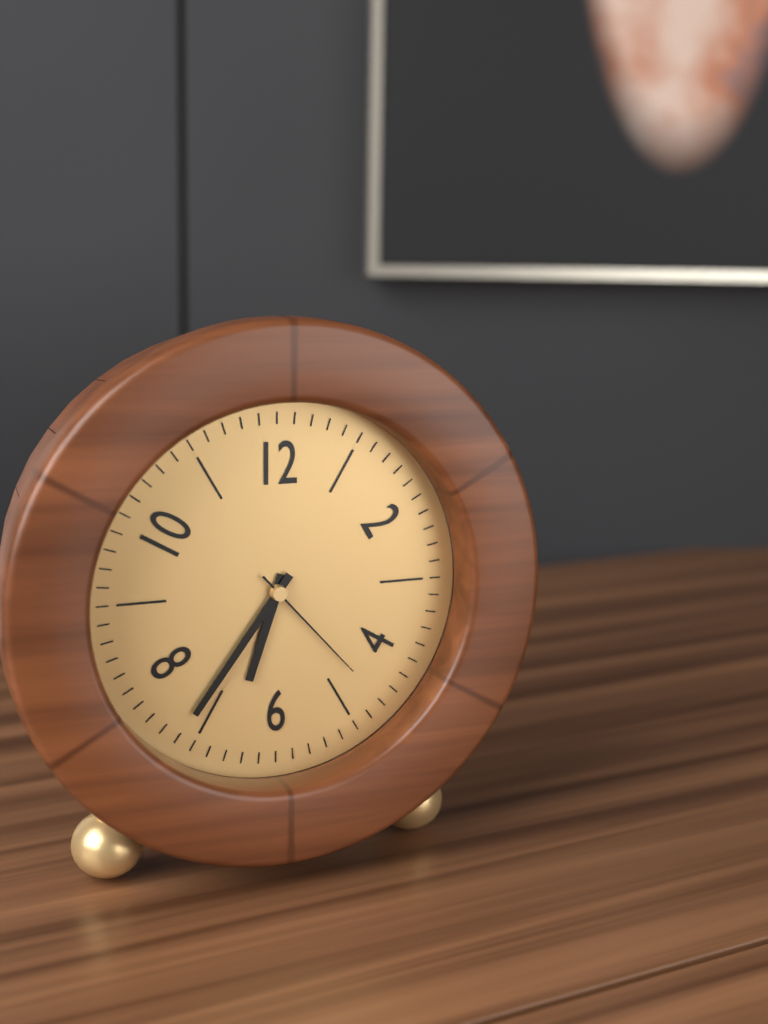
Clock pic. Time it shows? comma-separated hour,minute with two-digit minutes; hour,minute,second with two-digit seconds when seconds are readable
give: 6,36,23
